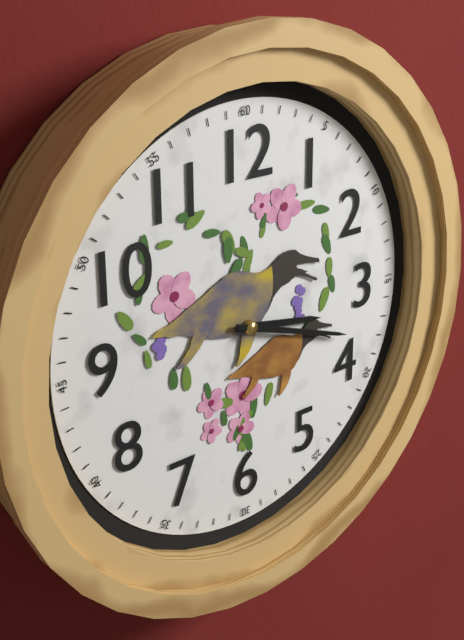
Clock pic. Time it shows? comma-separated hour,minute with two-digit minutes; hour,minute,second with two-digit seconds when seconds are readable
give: 3,18
